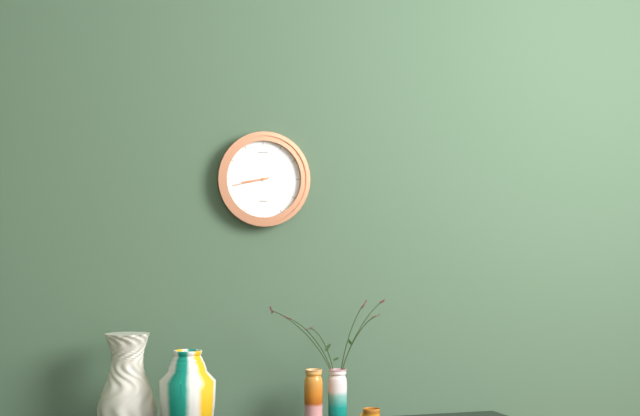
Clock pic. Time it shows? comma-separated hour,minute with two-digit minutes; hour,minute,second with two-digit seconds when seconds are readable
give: 8,43
